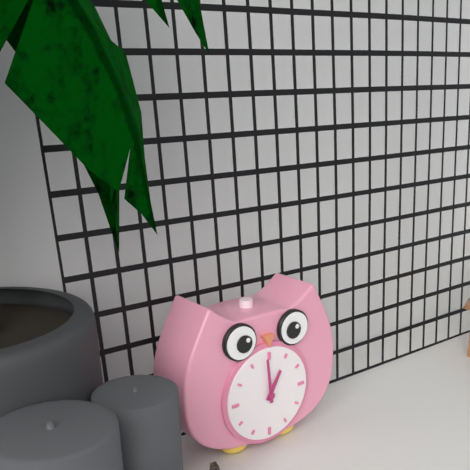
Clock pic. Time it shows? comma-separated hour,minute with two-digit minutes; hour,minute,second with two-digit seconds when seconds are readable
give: 12,59
